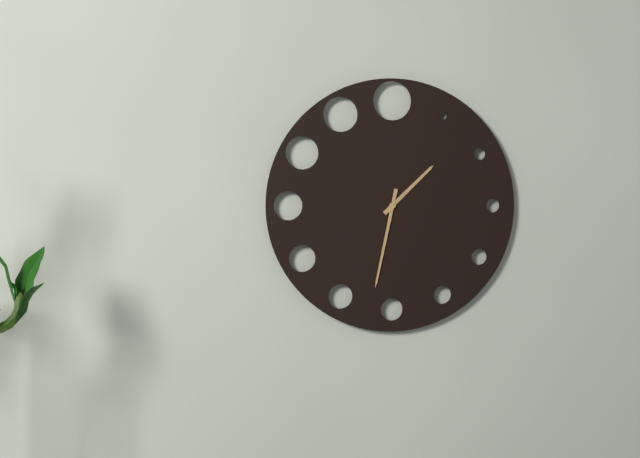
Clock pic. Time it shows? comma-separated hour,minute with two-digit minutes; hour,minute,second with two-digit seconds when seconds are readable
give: 1,32
